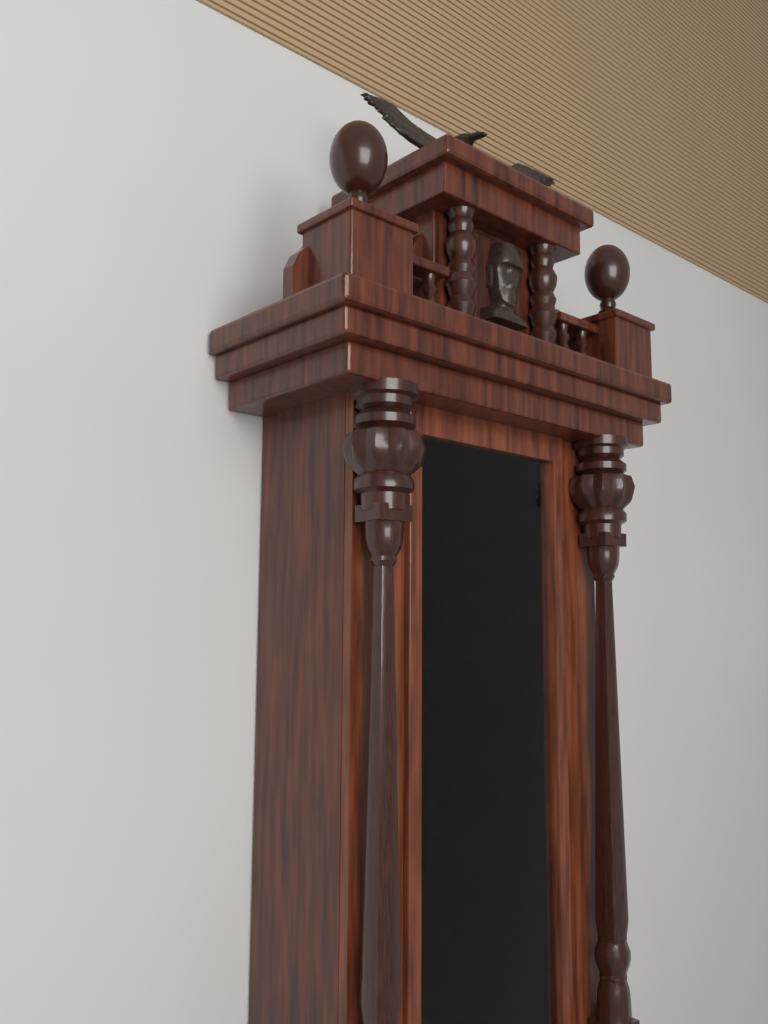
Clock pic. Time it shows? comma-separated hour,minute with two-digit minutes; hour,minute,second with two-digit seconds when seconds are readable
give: 5,21
